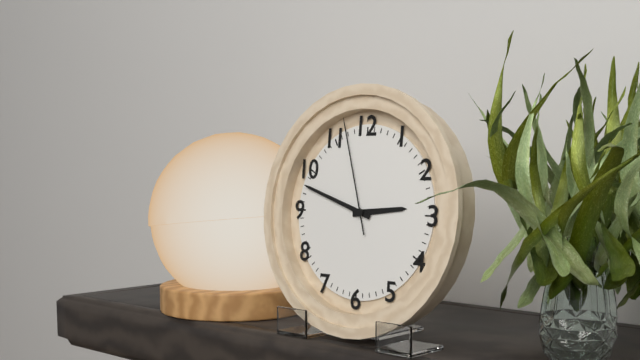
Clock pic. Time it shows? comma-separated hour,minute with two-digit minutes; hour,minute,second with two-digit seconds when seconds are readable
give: 2,48,57
